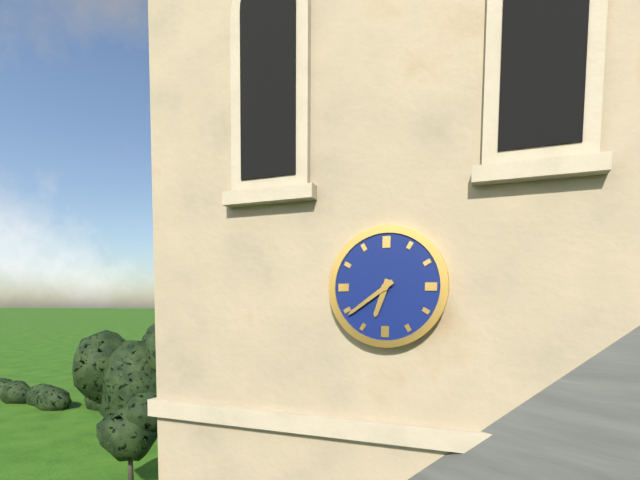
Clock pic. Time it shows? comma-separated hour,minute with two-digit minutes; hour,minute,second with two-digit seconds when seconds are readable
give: 6,39
